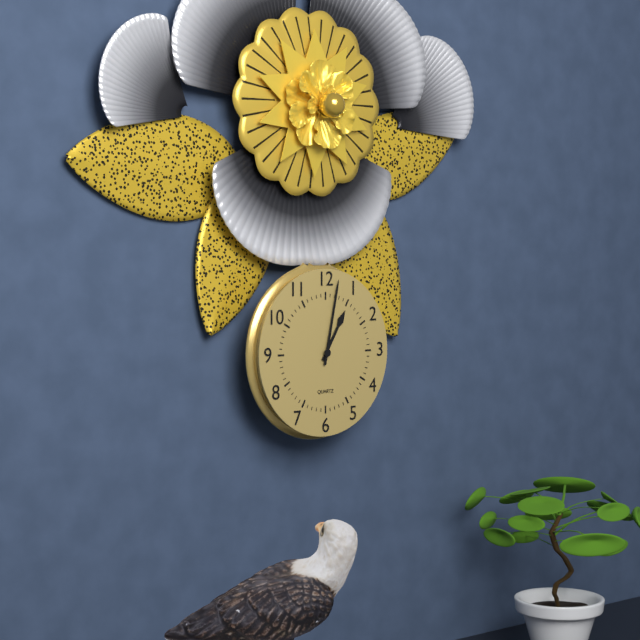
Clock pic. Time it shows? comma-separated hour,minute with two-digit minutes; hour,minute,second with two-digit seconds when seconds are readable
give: 1,02
